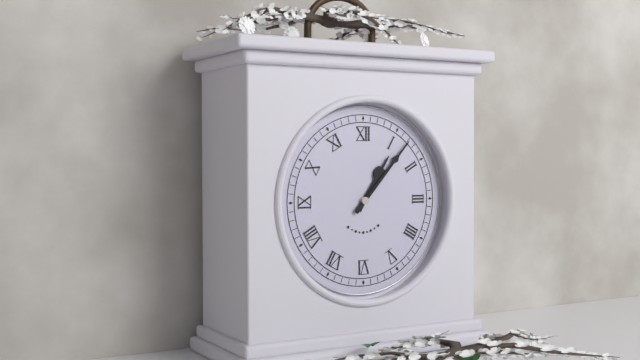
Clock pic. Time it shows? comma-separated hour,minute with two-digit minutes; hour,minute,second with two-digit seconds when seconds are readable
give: 1,07
